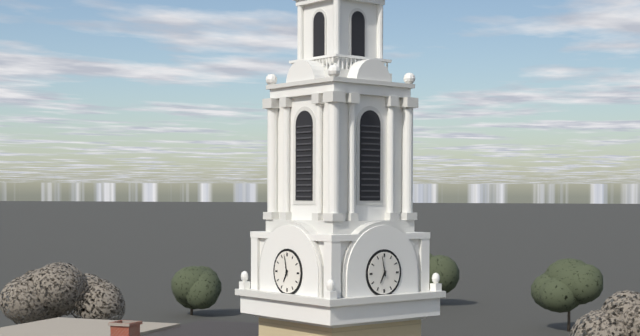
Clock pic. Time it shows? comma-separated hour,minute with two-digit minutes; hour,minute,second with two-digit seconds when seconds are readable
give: 6,58
